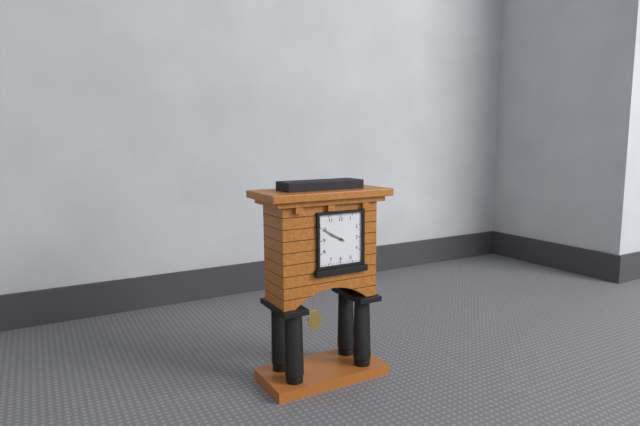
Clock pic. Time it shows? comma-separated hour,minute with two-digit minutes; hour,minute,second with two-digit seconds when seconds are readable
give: 9,50
